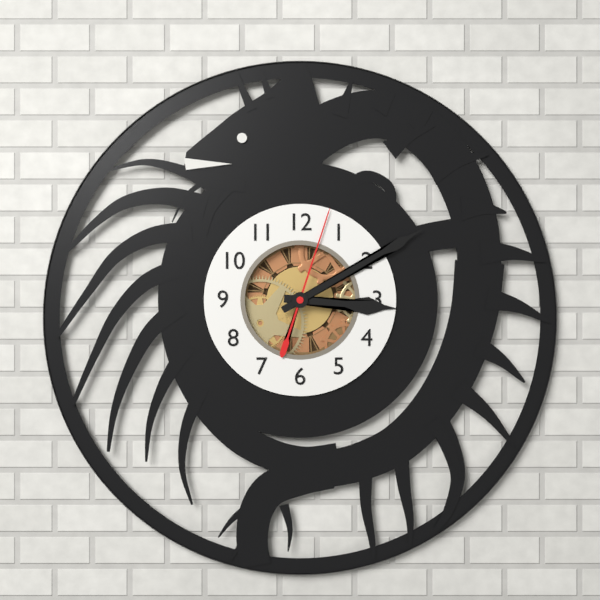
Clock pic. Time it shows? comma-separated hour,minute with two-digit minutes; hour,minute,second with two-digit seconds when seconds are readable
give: 3,10,03
